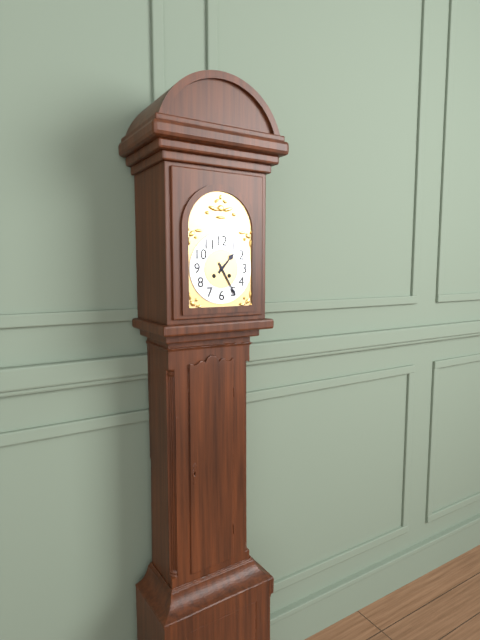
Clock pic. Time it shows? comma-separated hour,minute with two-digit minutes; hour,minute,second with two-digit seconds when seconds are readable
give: 1,25
